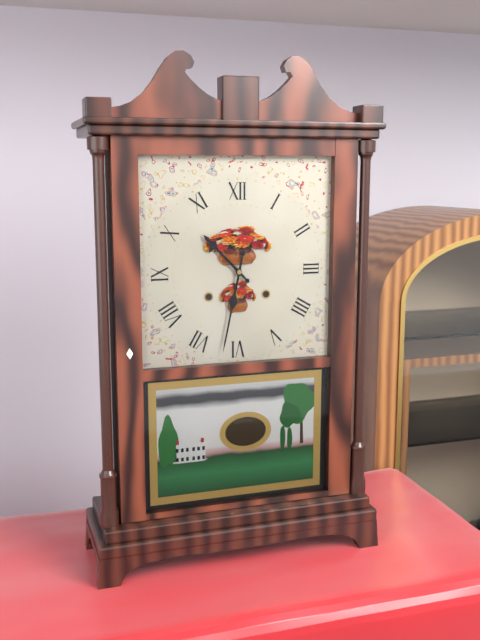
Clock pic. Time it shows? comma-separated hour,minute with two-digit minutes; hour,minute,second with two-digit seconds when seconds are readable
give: 10,32
